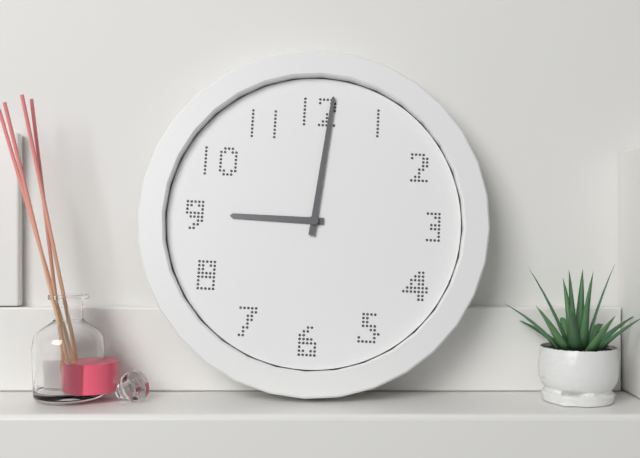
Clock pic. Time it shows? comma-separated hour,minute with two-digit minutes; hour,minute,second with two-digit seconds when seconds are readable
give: 9,01
